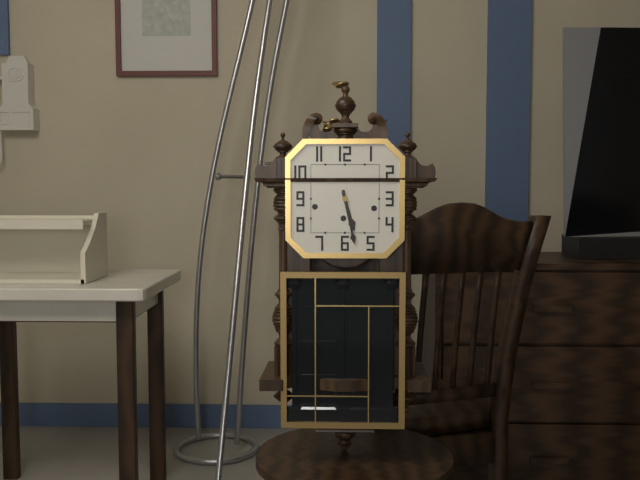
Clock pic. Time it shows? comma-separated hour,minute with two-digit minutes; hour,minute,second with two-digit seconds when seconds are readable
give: 5,28
